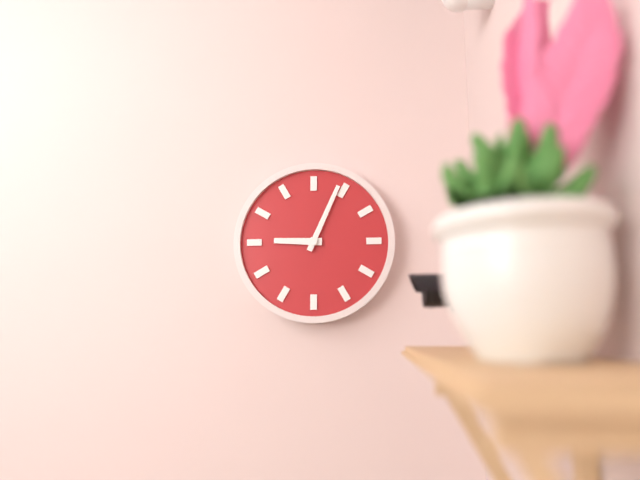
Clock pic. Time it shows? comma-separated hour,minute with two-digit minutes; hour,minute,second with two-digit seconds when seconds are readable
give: 9,04
